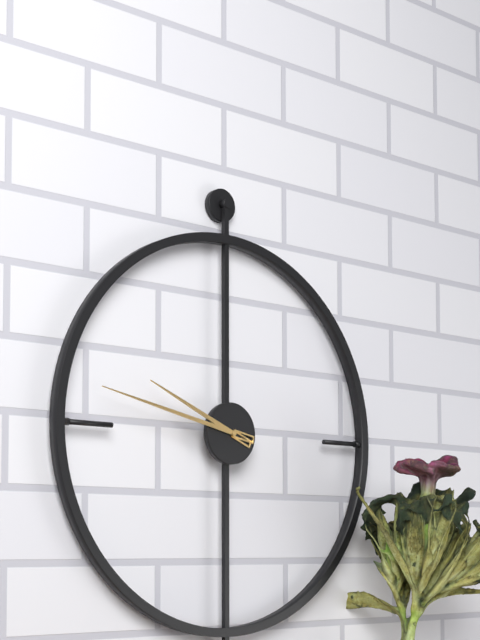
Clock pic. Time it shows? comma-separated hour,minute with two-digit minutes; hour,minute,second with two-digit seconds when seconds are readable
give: 9,47
